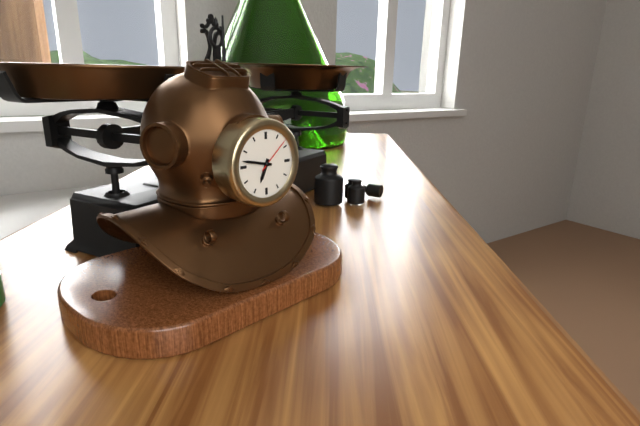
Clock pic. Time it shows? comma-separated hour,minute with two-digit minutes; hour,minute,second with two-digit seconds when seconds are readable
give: 6,47
